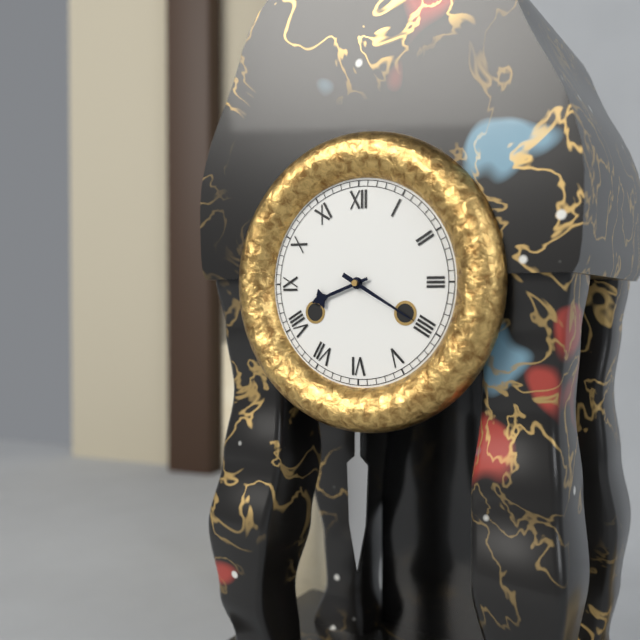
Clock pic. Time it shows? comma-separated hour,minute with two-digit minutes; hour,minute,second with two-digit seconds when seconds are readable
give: 8,20
